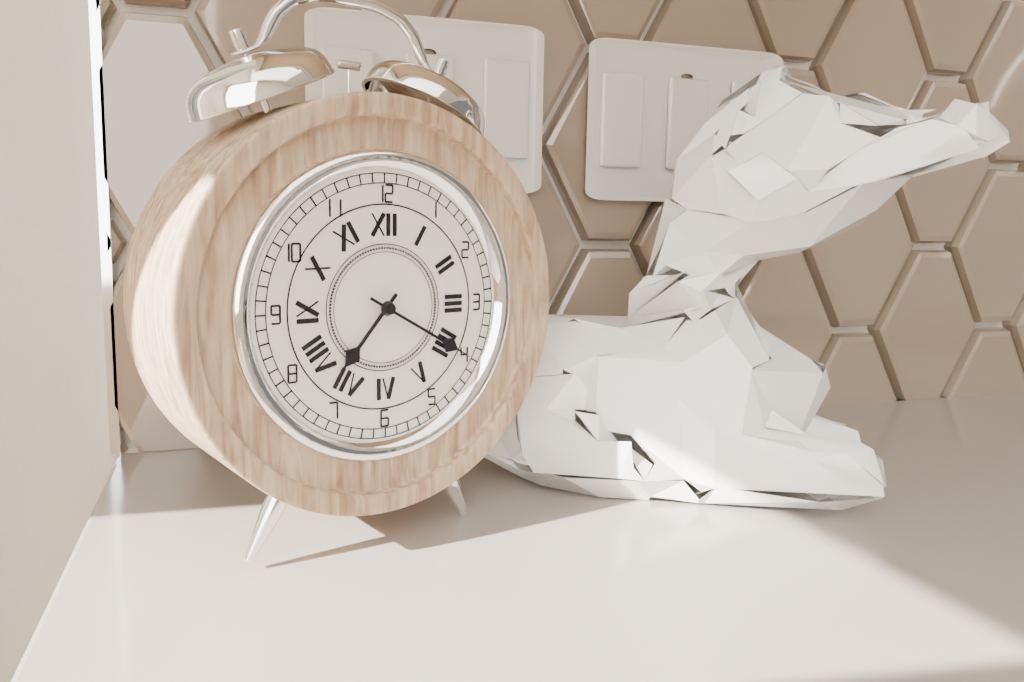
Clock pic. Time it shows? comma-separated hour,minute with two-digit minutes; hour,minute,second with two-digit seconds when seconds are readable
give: 7,20
